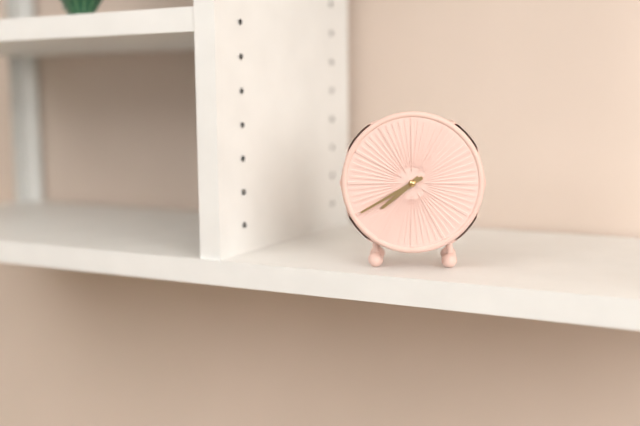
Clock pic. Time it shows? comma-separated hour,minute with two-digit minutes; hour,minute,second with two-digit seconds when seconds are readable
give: 7,40
